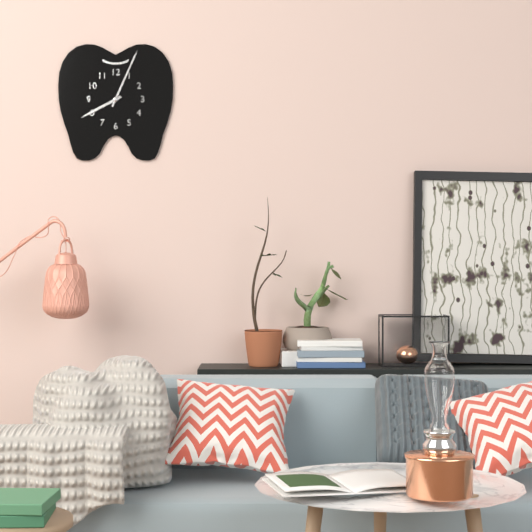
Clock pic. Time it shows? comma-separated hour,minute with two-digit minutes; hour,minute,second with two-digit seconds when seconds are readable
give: 8,04
